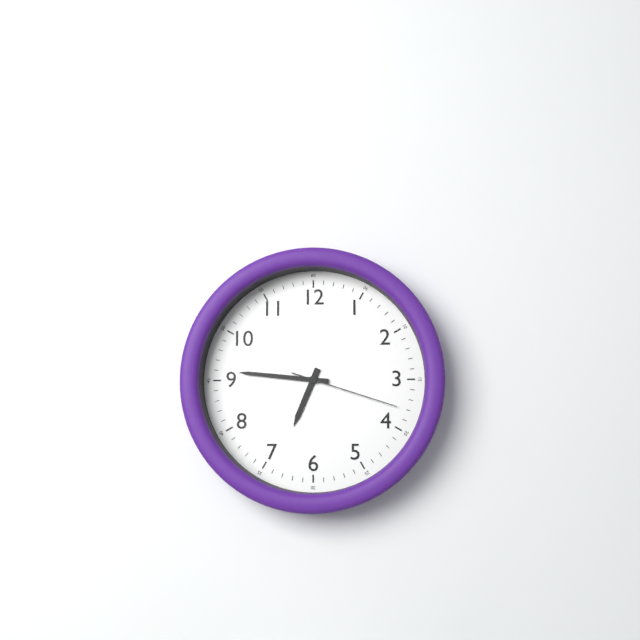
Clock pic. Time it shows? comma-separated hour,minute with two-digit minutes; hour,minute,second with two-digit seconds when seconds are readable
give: 6,46,18
